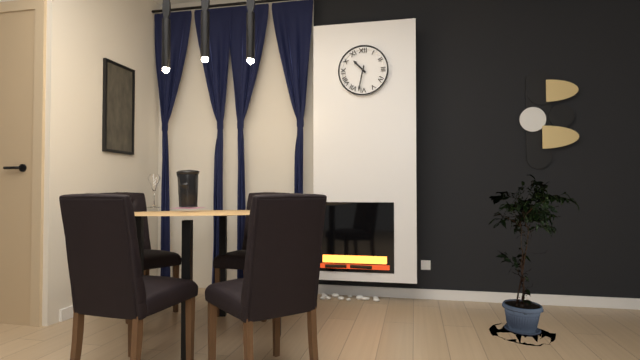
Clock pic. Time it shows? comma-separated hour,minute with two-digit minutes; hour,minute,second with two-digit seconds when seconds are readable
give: 10,32
